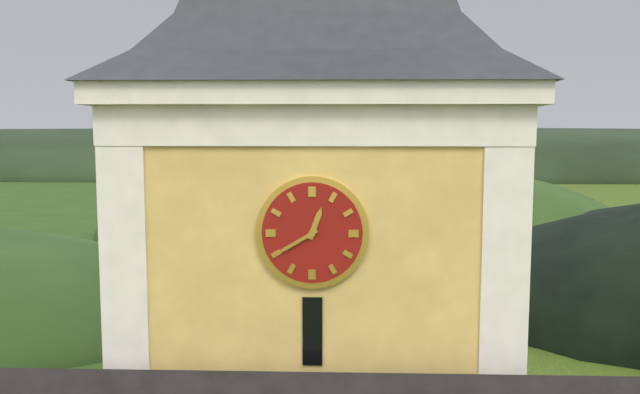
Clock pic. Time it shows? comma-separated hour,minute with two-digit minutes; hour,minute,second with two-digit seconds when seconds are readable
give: 12,40
